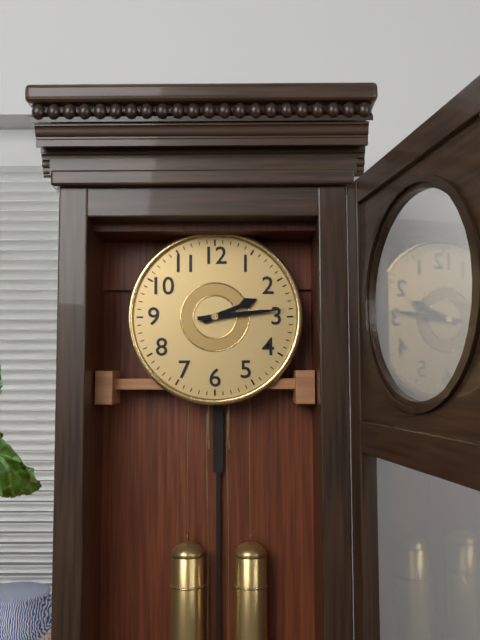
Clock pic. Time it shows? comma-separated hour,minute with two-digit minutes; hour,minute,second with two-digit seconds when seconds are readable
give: 2,14
